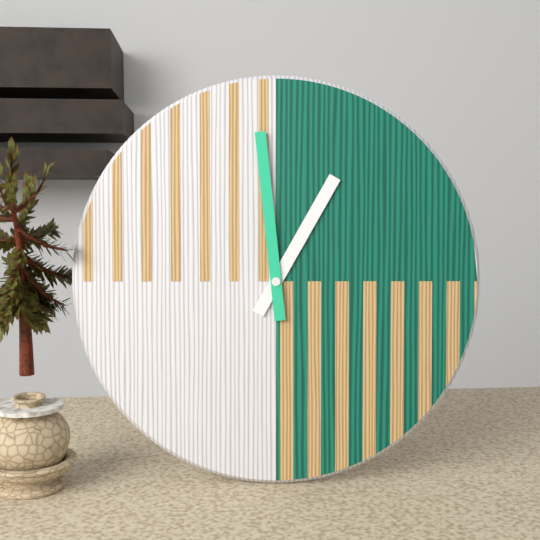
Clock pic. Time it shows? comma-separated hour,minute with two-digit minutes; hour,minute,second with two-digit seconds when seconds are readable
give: 12,59
